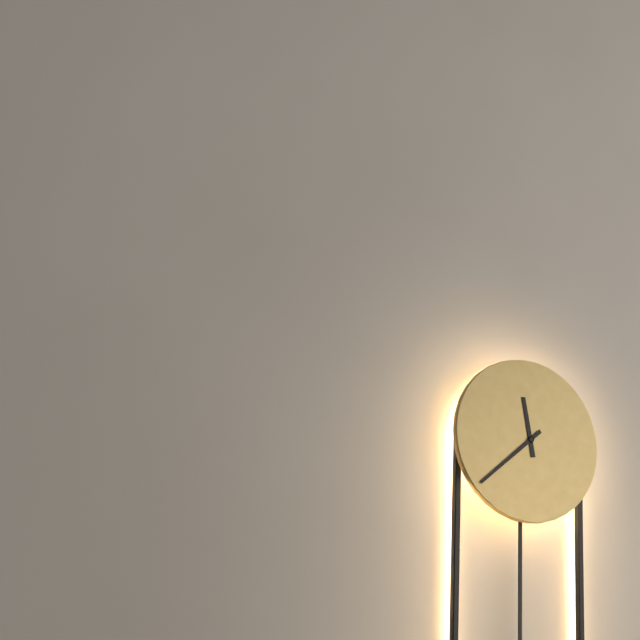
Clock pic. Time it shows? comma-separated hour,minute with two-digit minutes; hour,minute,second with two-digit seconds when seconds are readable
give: 11,38
